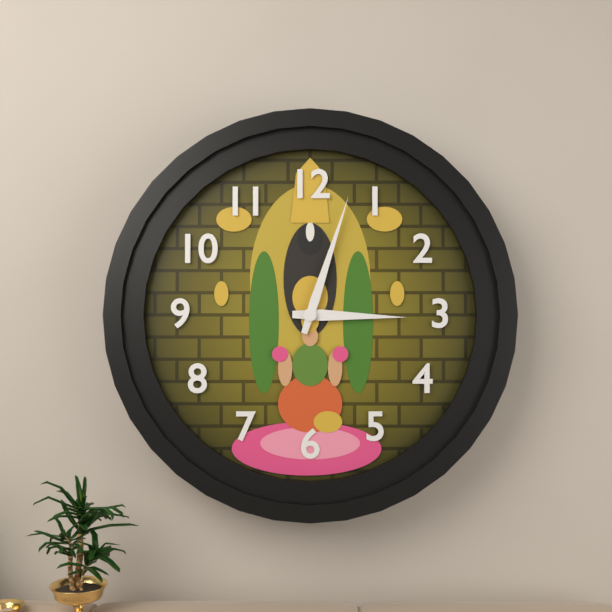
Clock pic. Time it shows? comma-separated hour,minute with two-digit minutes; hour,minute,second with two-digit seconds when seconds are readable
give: 3,03
